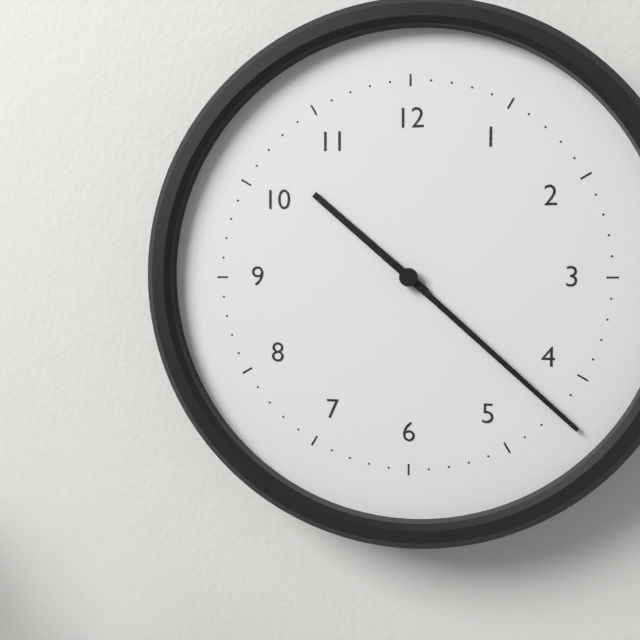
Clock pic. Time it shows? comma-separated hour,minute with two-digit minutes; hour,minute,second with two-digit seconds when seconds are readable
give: 10,22
